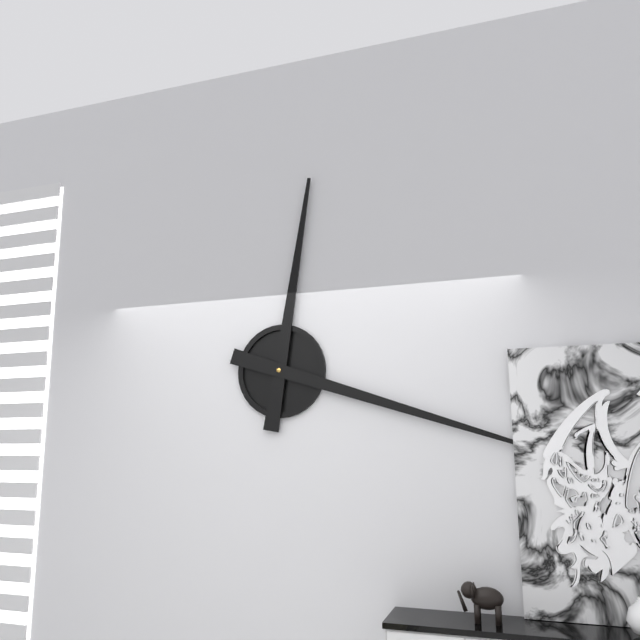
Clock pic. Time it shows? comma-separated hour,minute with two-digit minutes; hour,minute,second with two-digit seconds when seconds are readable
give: 12,18
